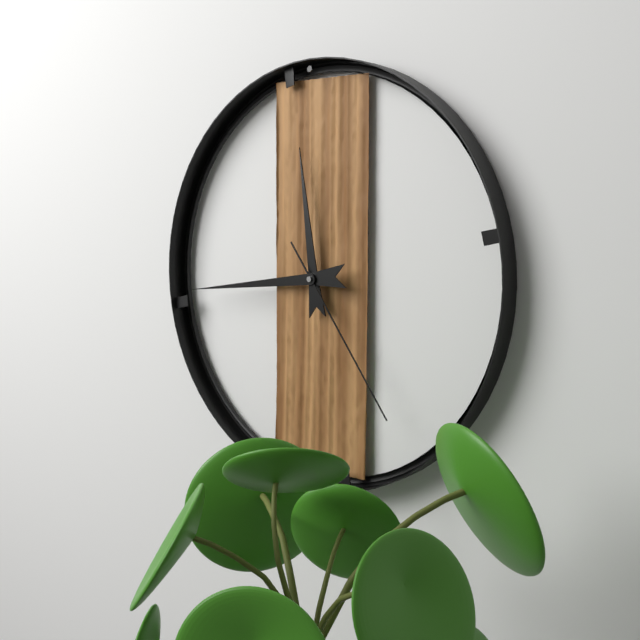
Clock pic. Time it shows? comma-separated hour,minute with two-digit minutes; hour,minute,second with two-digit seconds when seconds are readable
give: 11,44,24
